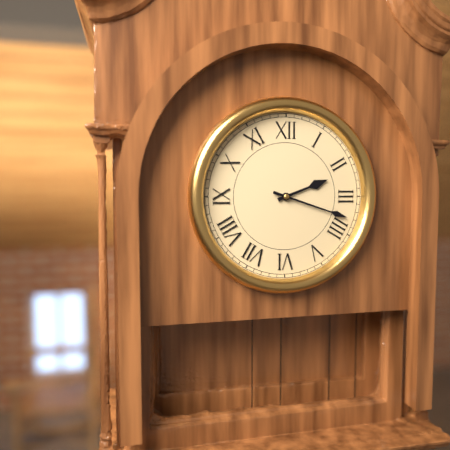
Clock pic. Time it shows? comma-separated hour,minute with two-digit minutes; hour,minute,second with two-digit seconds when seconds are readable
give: 2,18
